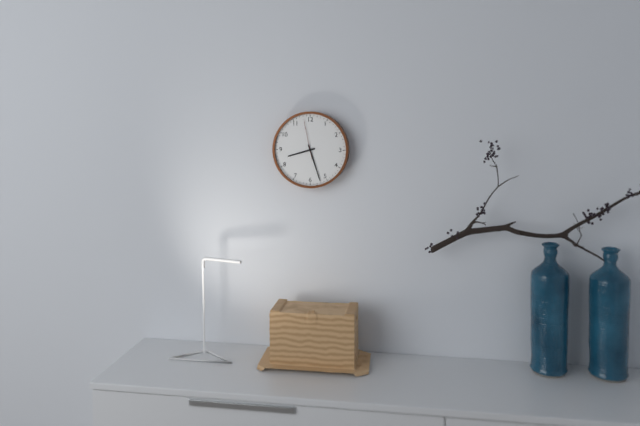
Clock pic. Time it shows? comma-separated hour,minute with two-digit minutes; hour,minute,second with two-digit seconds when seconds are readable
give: 8,27
